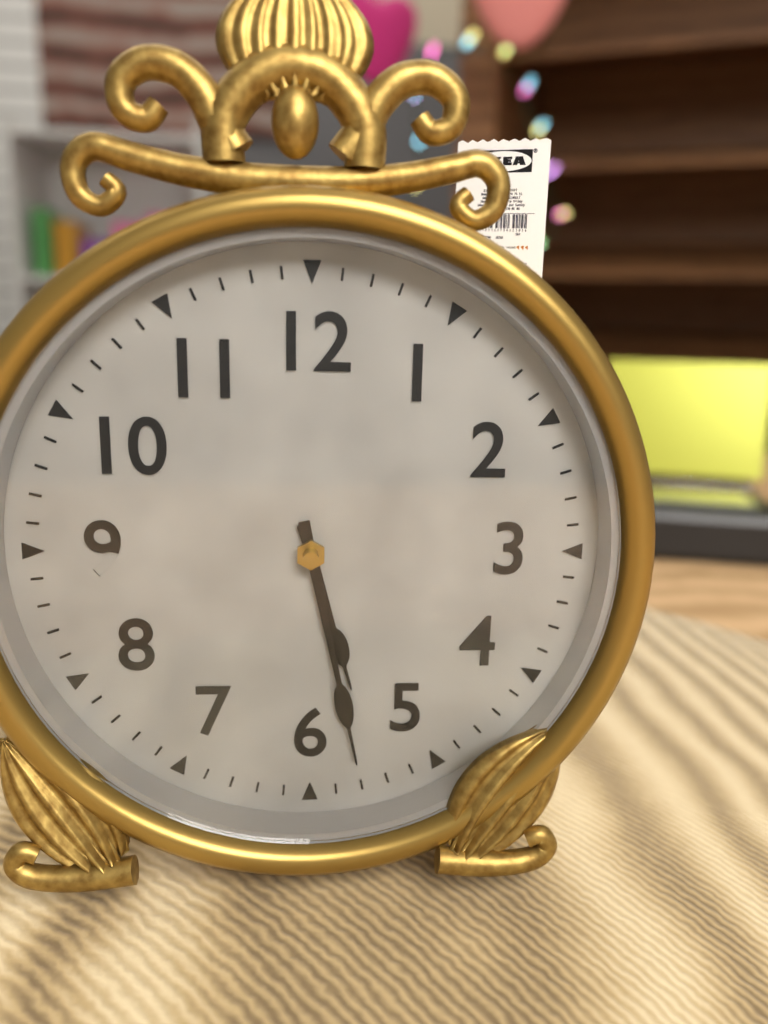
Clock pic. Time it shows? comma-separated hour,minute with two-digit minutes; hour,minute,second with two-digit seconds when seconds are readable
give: 5,28
